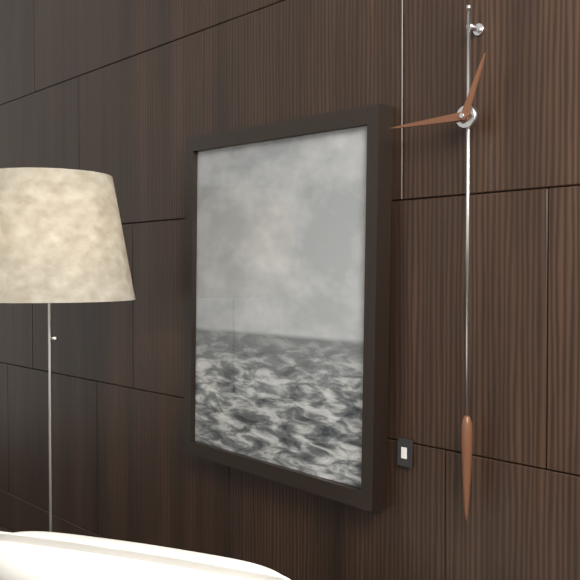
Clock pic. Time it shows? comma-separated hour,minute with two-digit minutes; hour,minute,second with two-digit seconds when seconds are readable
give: 12,45
